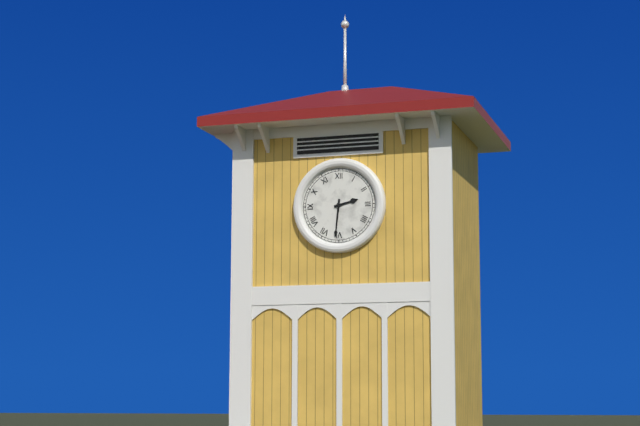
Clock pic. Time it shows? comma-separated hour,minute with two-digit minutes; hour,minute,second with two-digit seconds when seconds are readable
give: 2,31
